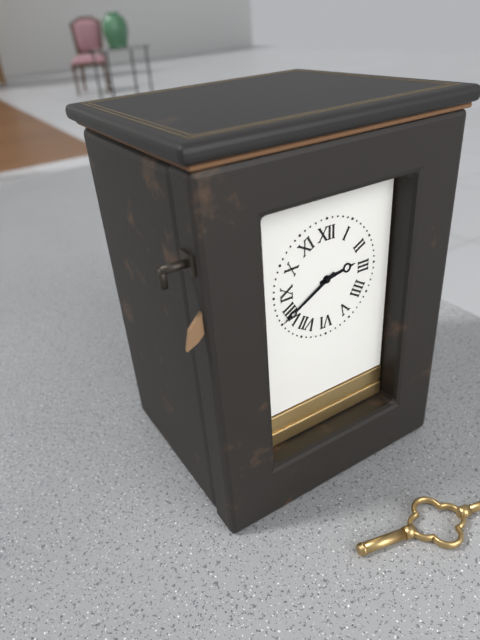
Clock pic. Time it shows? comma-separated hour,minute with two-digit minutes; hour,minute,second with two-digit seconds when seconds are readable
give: 2,40
